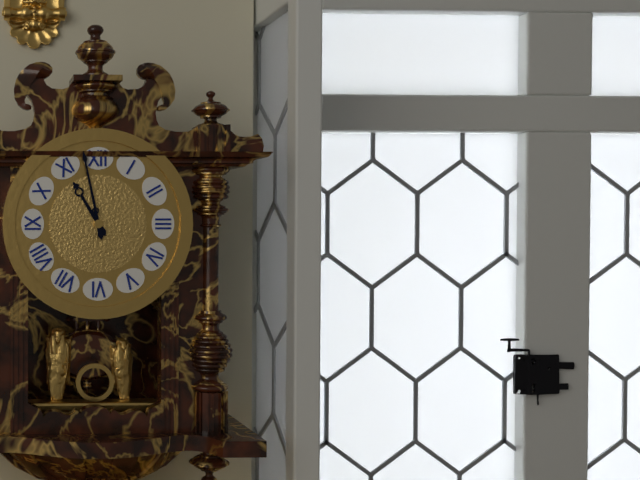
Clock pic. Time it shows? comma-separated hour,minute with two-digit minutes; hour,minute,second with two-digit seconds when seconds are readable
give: 10,58
